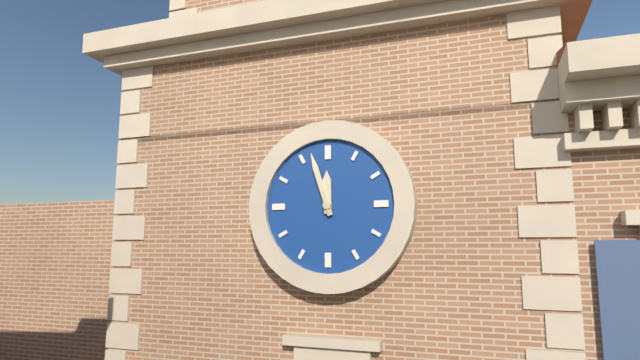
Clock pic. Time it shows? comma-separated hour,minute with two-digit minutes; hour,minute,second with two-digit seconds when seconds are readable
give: 11,57
